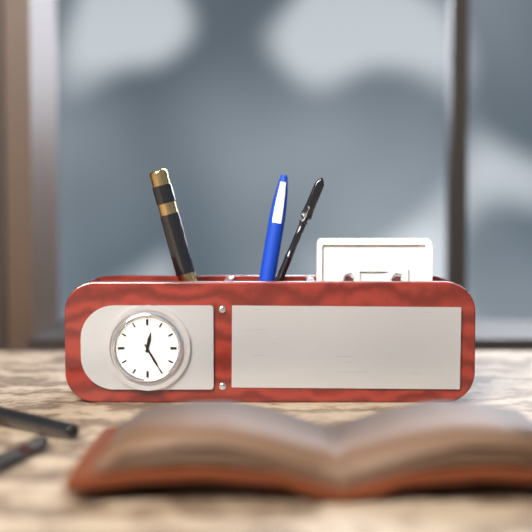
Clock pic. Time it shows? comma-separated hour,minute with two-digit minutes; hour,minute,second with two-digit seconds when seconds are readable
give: 12,25
